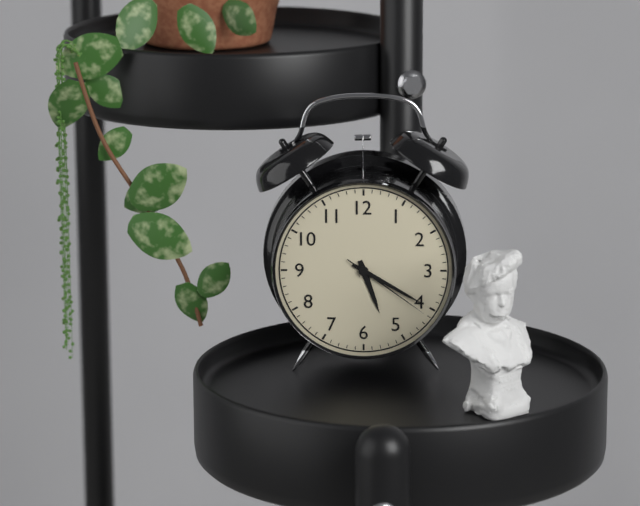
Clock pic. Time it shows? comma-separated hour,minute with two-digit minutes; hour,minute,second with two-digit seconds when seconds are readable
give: 5,20,21
